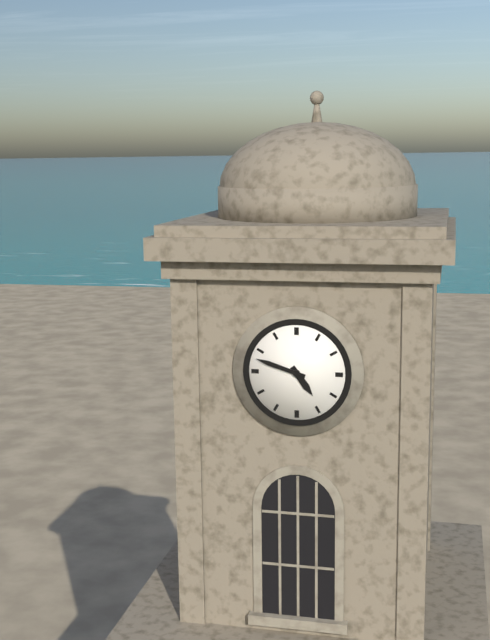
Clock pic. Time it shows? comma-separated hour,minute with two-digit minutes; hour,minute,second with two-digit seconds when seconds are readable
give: 4,48
